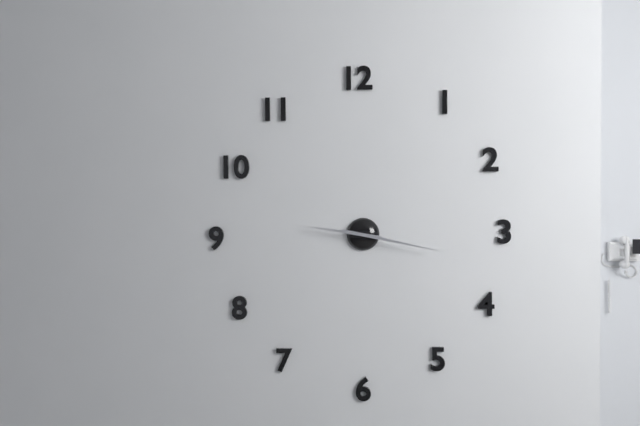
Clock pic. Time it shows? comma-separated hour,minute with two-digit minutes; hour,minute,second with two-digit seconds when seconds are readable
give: 9,17
